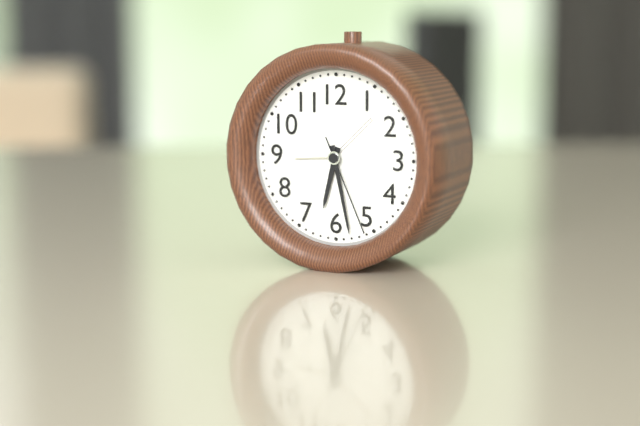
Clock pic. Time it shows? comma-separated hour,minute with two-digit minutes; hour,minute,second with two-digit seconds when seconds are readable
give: 6,28,26
